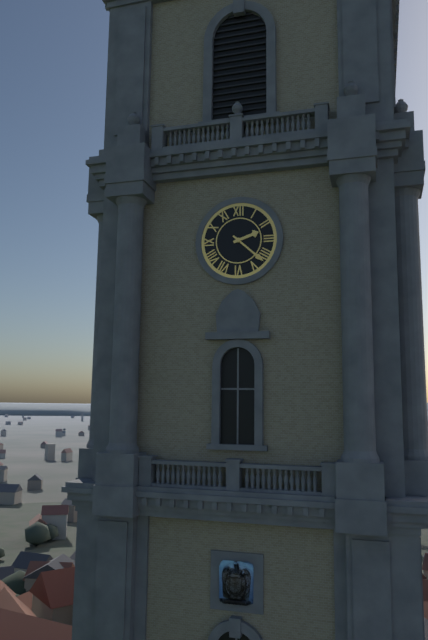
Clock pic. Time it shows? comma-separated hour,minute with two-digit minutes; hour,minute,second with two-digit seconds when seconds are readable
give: 2,22
